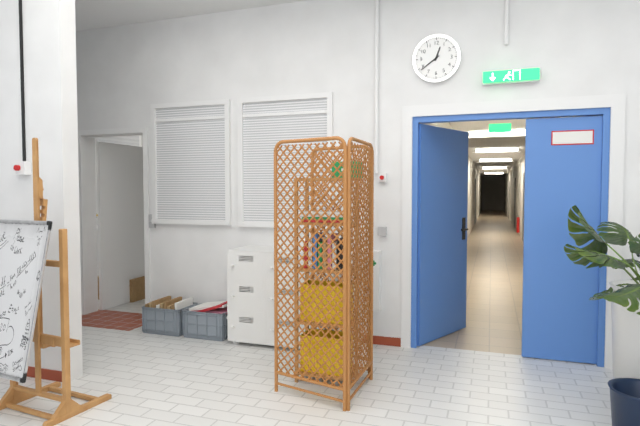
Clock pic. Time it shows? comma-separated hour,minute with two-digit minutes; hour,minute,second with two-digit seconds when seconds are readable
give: 12,39
